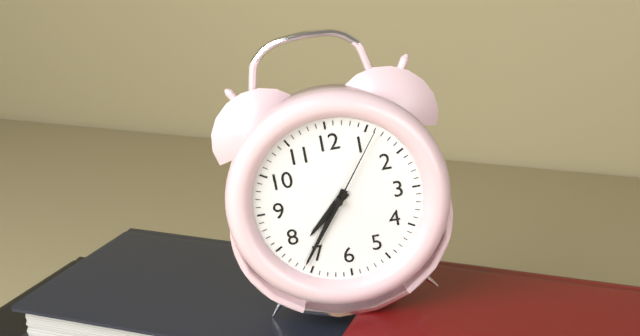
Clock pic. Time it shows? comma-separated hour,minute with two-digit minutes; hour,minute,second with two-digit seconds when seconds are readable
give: 7,36,06
